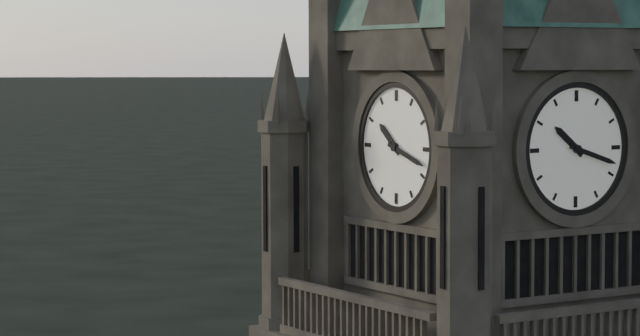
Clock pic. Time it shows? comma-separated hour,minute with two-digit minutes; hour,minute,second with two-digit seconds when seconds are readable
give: 10,18
